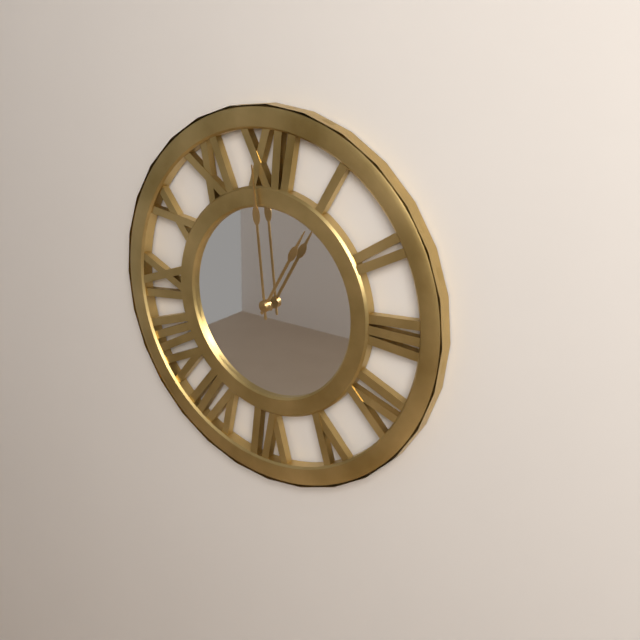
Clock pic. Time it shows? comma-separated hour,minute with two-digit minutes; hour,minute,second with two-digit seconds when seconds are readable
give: 12,59
